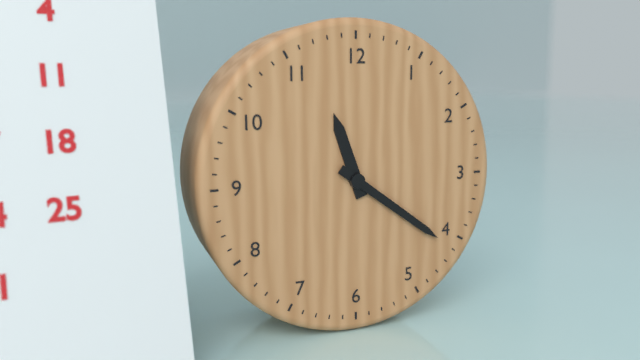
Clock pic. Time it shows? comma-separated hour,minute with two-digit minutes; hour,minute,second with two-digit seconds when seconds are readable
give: 11,21
